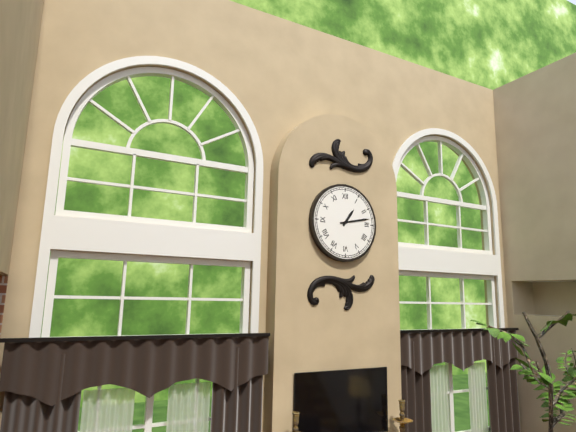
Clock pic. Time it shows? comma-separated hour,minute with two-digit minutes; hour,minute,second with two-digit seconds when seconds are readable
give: 1,13
